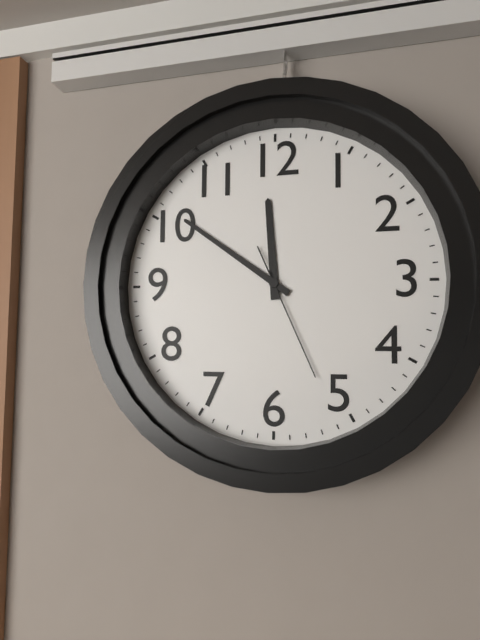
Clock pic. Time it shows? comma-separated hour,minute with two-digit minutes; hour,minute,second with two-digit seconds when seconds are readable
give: 11,51,26
